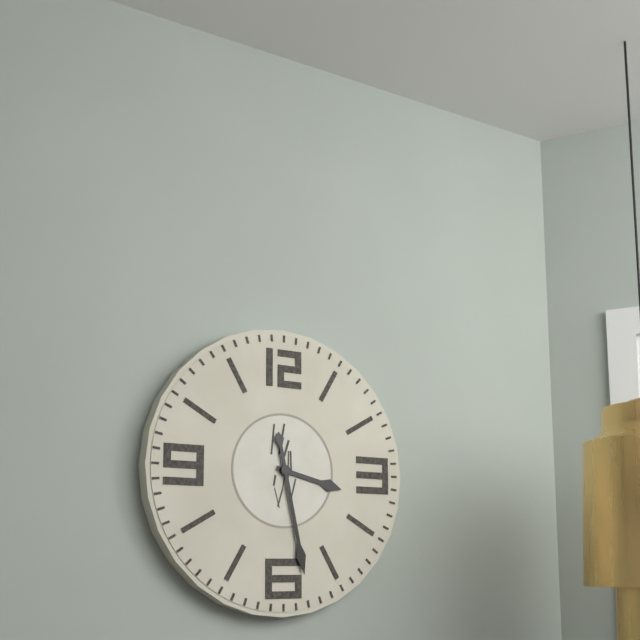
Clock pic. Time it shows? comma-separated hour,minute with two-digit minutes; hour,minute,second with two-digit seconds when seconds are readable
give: 3,28
